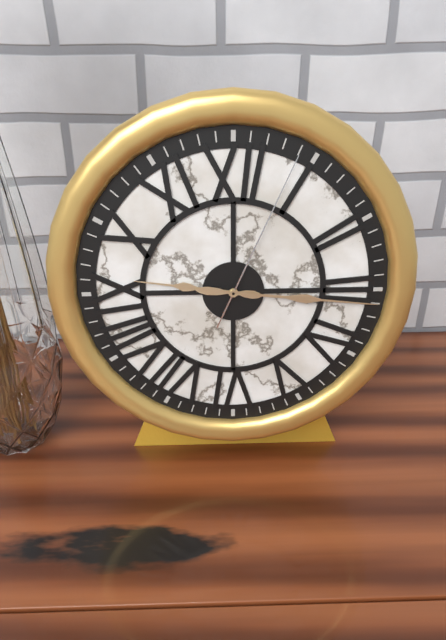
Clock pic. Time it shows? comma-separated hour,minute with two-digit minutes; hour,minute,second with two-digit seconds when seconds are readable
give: 9,16,04
